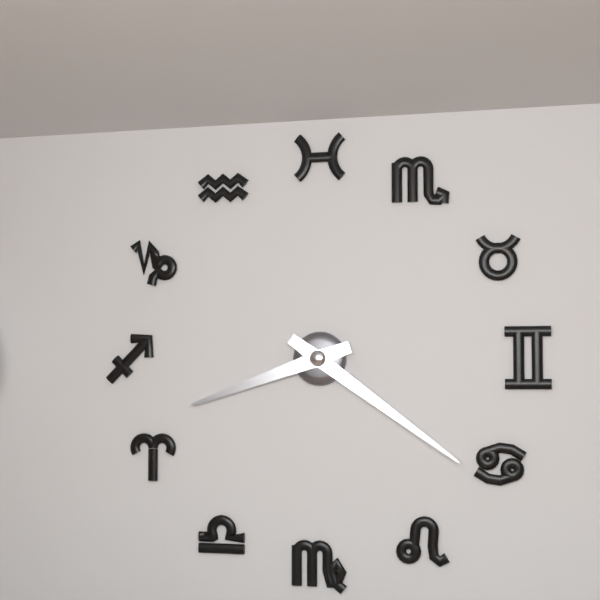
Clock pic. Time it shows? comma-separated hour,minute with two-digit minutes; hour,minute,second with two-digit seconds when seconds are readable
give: 8,21
